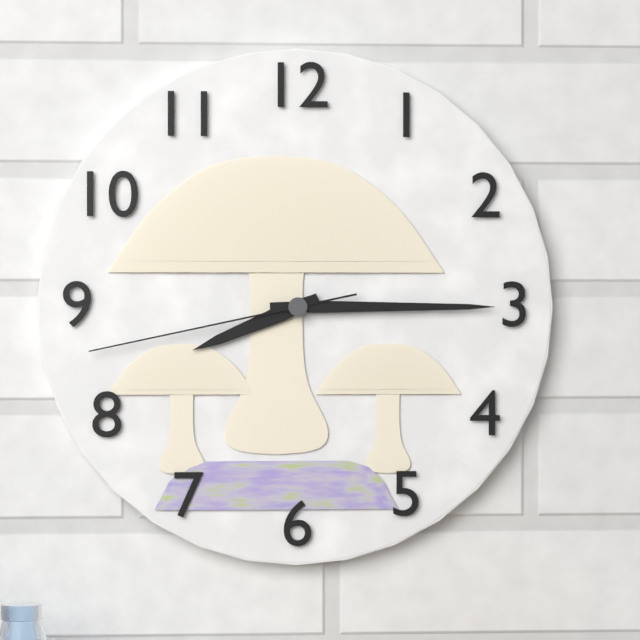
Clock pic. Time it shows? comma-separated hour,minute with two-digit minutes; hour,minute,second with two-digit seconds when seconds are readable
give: 8,15,43
